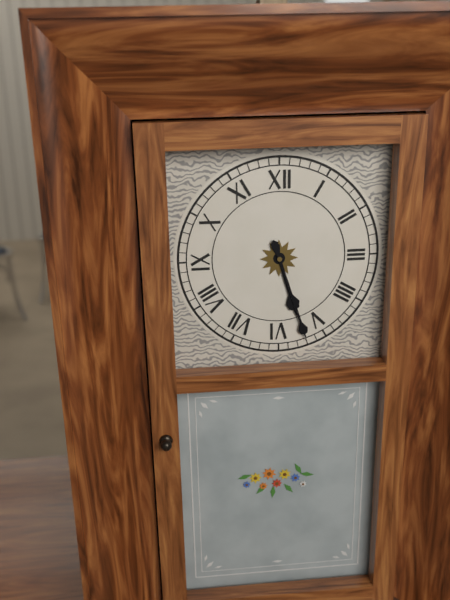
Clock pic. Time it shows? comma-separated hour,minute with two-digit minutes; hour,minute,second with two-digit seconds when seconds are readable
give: 5,27
